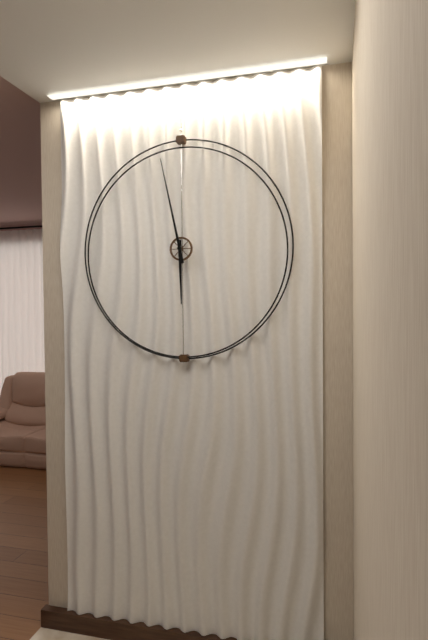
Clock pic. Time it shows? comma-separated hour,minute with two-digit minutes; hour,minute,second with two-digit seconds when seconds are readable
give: 5,58
